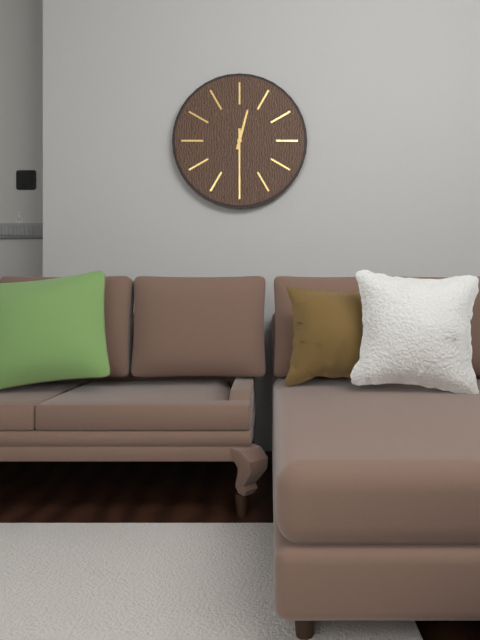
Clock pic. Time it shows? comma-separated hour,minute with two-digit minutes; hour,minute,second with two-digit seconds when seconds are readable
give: 12,30
